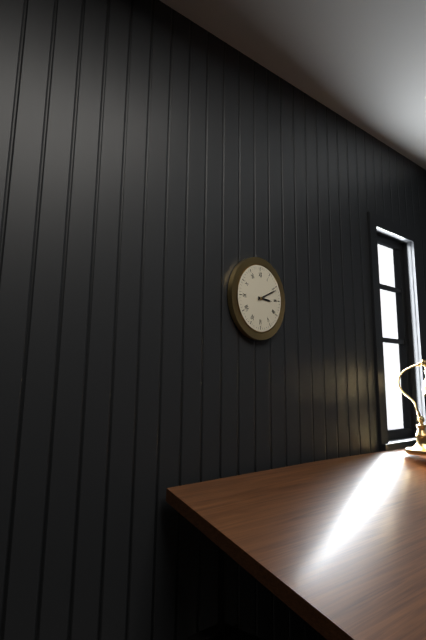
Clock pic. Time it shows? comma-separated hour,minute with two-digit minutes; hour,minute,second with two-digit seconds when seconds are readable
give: 3,11
